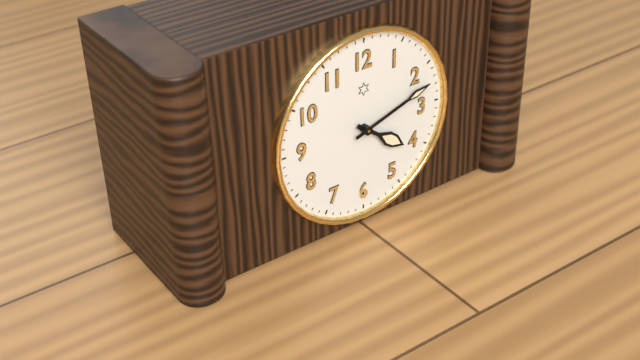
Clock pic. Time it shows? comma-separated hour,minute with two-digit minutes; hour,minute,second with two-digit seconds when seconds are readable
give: 4,12
